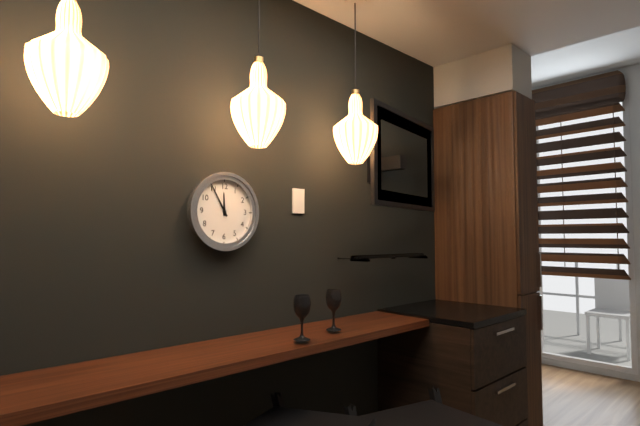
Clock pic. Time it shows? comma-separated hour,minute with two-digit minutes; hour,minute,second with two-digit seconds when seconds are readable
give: 11,55
